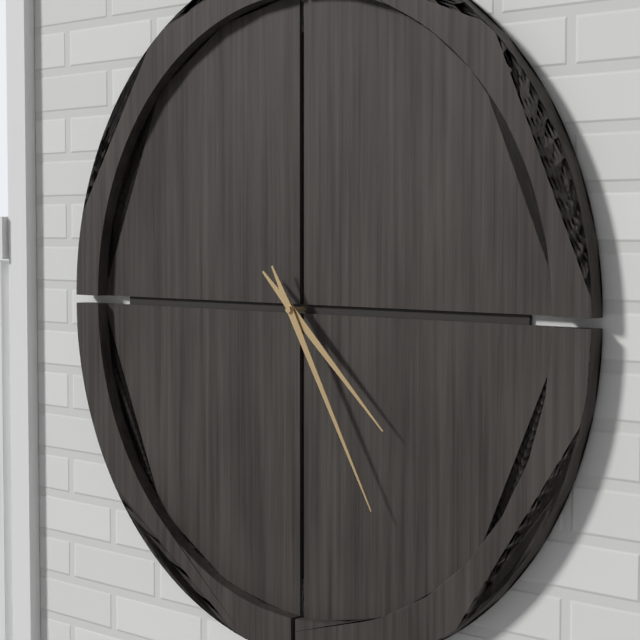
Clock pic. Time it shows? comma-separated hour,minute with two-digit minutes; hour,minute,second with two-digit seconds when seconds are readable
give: 4,25
